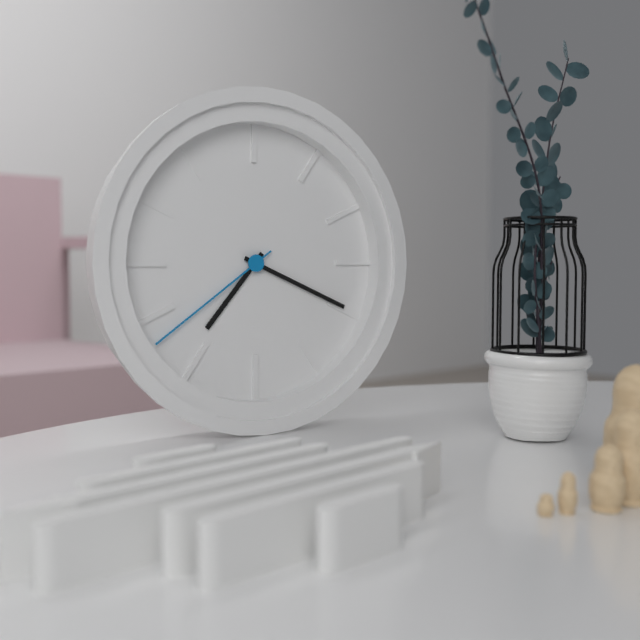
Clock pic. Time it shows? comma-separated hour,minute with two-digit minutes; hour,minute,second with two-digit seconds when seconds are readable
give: 7,19,39
